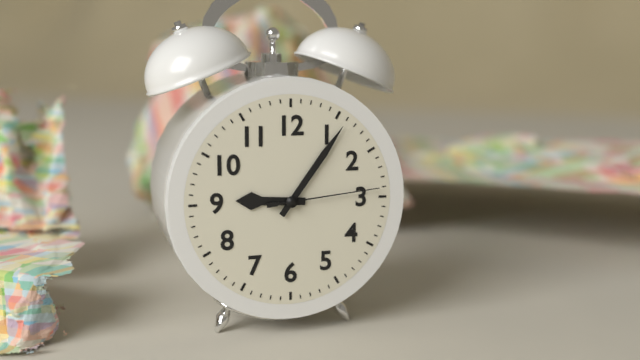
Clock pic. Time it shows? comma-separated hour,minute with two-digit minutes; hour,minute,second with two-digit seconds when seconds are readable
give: 9,06,14
